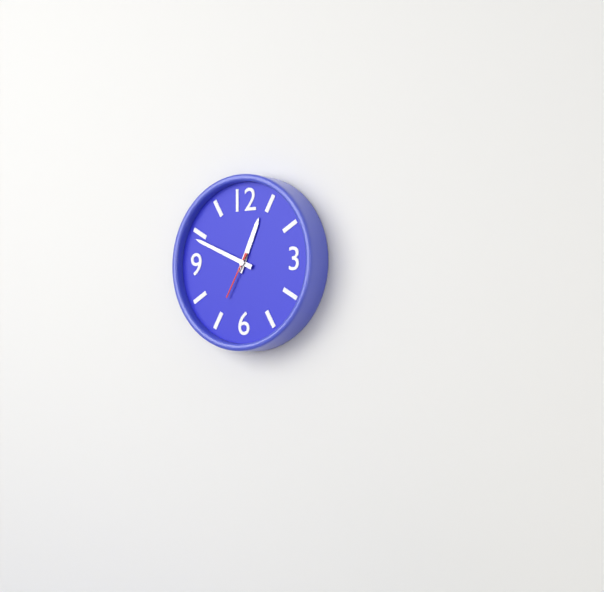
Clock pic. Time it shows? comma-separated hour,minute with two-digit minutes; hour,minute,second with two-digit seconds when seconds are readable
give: 12,49
